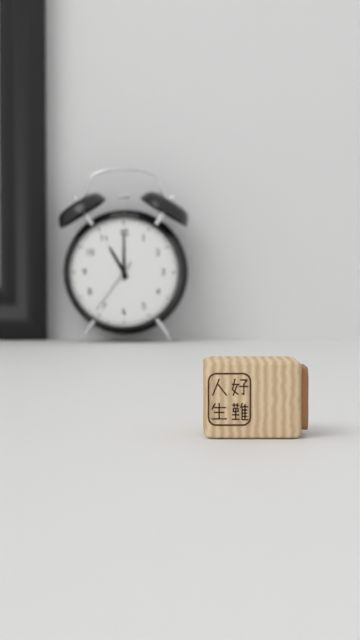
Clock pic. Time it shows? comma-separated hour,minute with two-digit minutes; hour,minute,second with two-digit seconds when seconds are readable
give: 11,00,36
